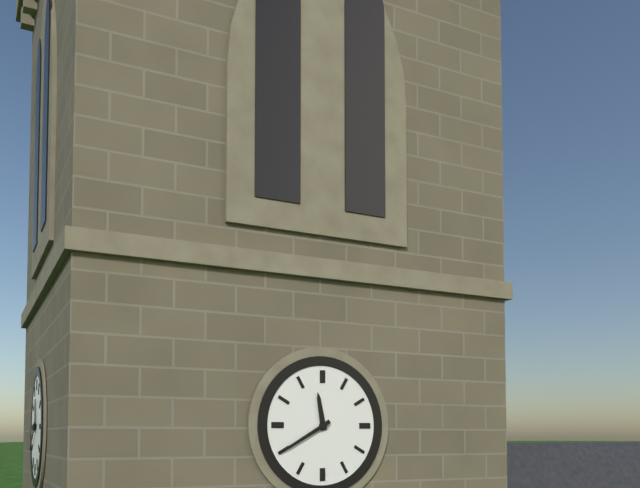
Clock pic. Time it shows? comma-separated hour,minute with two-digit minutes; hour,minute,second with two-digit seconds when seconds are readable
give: 11,40
